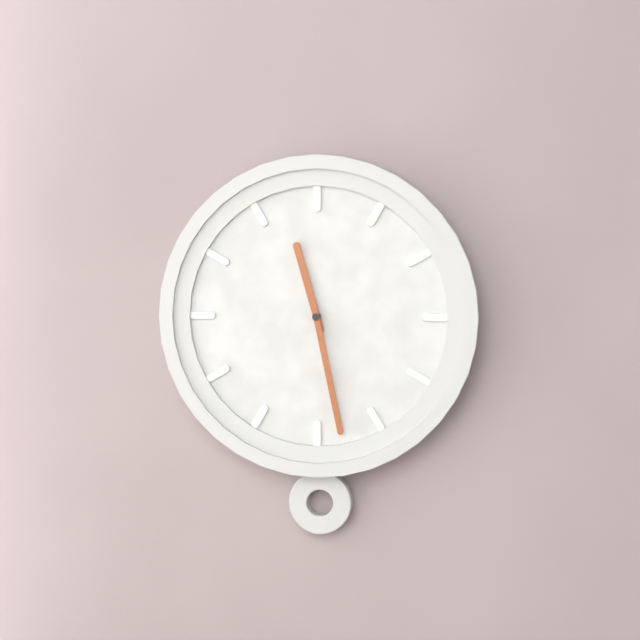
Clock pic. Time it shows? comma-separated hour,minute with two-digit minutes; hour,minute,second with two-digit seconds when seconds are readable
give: 11,28
